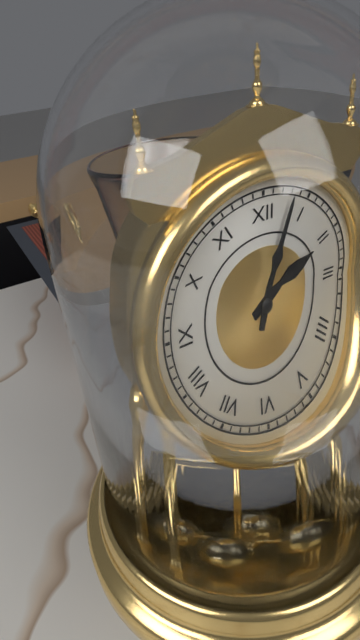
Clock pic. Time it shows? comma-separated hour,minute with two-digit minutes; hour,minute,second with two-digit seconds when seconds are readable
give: 2,03
